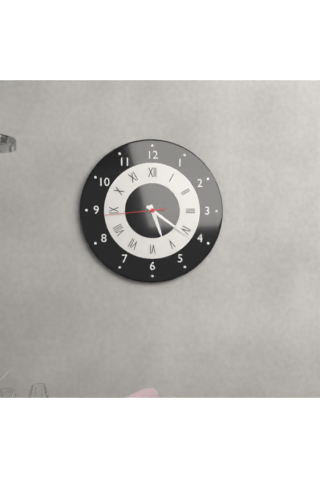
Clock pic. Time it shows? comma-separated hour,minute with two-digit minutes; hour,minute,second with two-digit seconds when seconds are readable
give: 5,21,44
